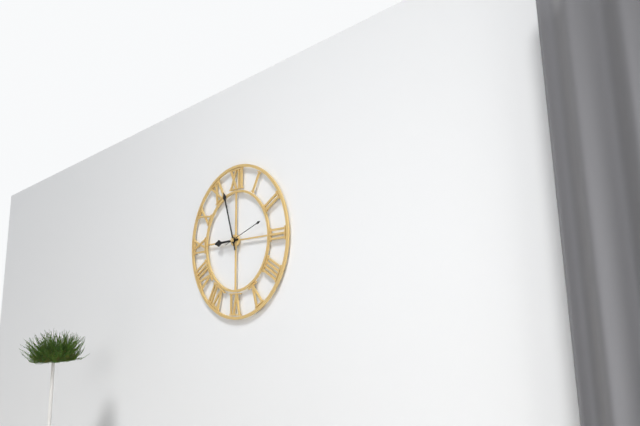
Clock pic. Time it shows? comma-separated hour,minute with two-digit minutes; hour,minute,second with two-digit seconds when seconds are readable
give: 8,57
